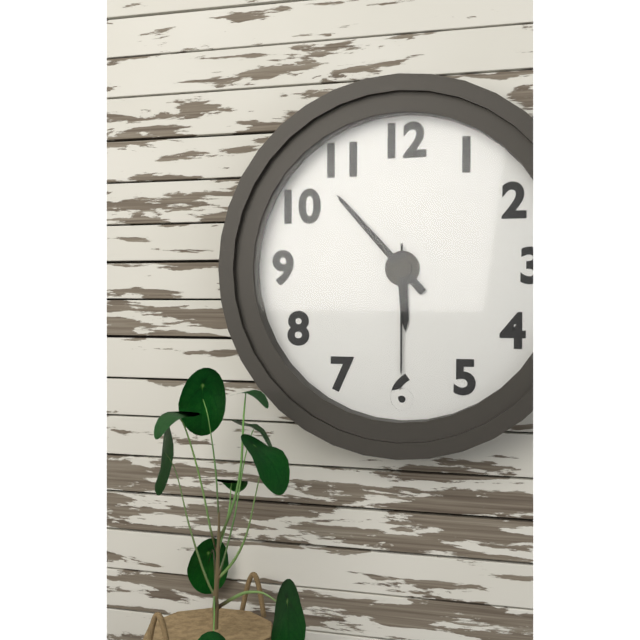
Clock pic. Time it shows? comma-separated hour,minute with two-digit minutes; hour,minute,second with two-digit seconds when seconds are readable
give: 5,53,30
